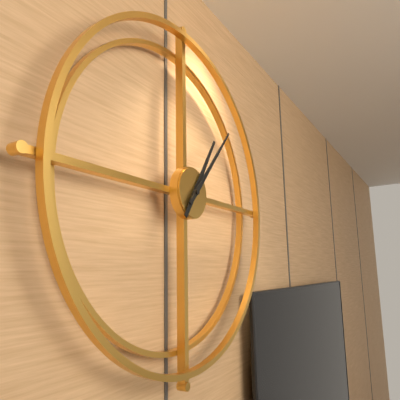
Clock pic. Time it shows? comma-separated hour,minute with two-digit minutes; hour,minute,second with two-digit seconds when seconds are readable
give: 1,07
